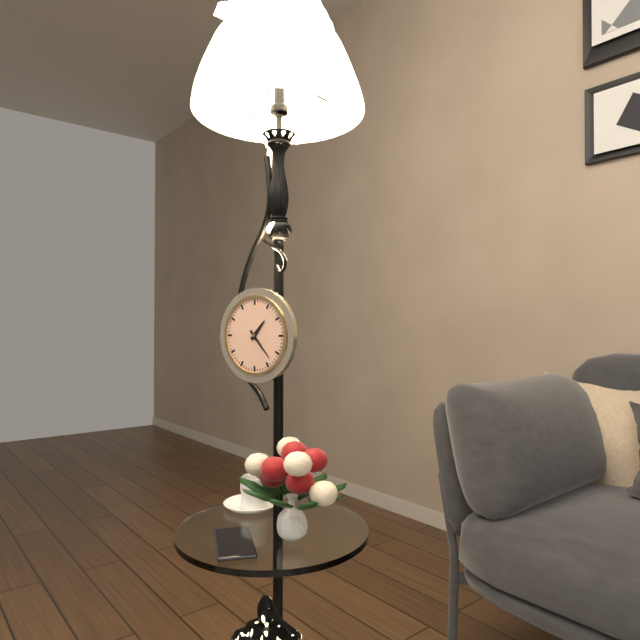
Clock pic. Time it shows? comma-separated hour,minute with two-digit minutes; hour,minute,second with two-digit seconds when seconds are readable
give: 1,23
